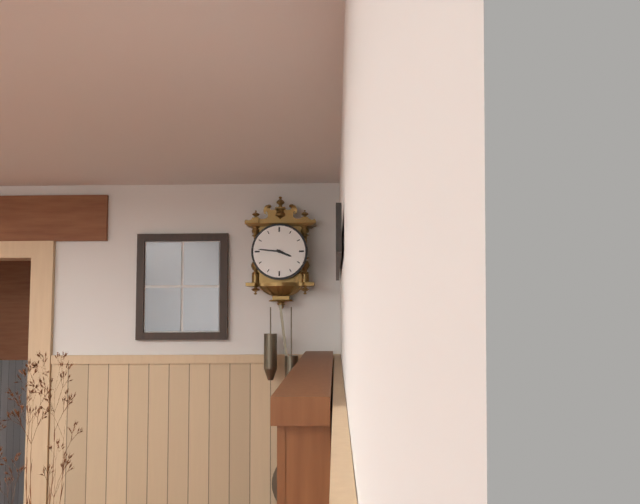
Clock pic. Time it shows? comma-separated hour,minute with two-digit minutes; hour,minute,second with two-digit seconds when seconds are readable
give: 3,46
